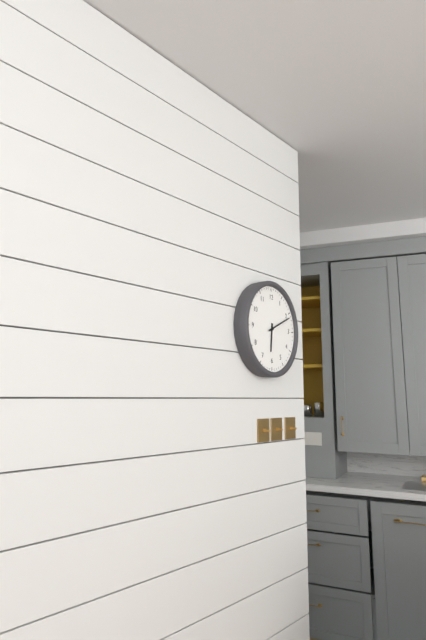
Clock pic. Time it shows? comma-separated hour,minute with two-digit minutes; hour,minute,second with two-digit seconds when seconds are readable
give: 6,11
